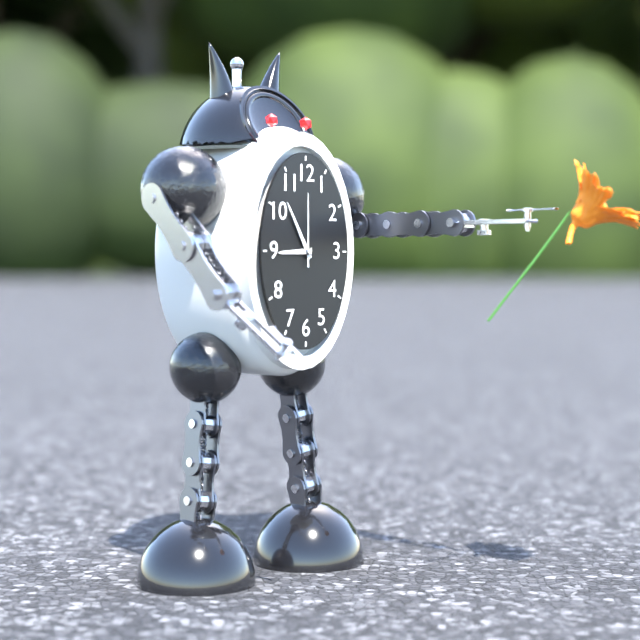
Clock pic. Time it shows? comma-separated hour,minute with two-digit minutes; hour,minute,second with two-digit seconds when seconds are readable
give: 8,55,00
